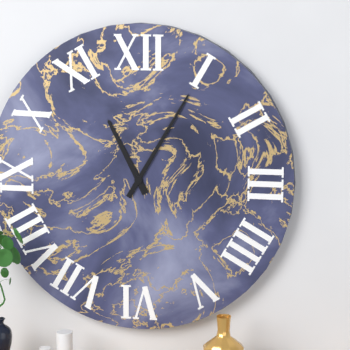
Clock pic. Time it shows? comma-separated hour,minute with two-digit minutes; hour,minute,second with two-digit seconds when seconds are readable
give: 11,05
